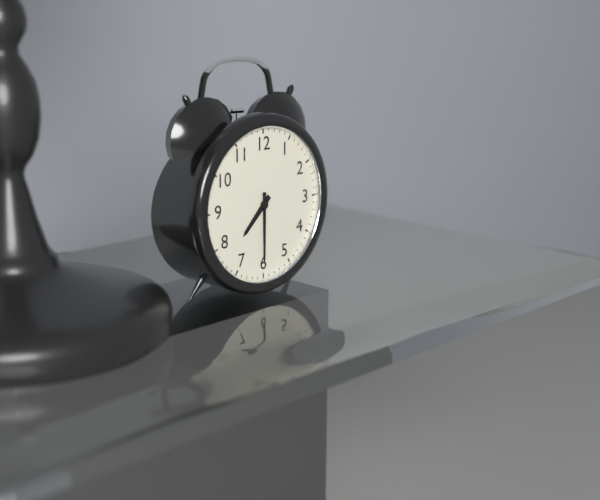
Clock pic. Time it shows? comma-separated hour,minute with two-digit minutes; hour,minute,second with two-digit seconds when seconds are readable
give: 7,30
